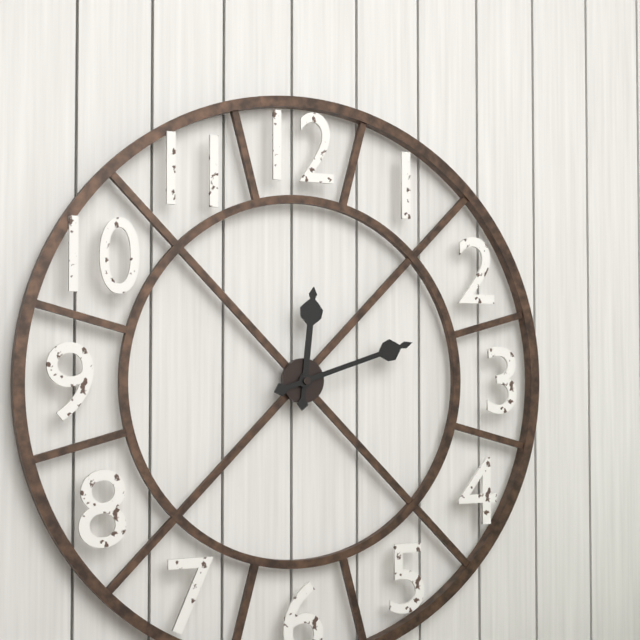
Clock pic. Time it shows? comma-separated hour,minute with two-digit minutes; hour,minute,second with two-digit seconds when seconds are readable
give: 12,12
